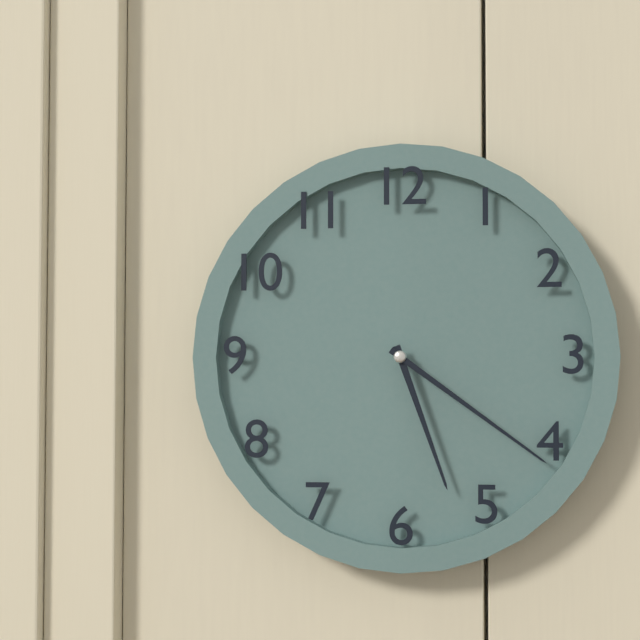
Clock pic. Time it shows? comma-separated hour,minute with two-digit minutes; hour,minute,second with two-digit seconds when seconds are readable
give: 5,21
